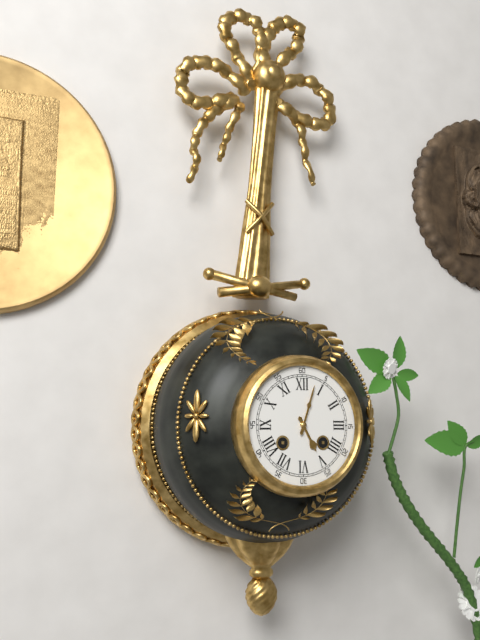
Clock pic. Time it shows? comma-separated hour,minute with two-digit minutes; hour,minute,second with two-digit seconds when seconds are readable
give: 5,03
